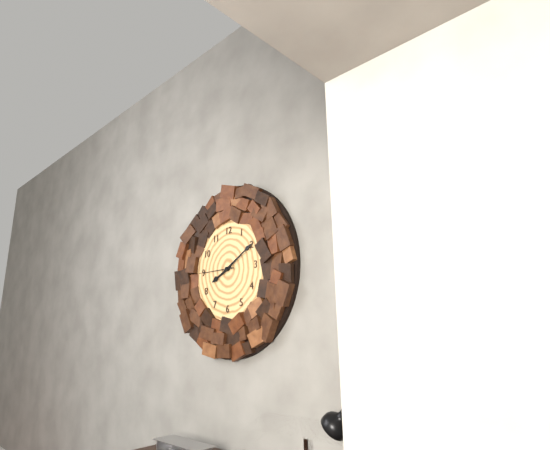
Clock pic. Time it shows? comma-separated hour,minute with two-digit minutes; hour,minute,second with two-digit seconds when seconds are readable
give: 8,10
